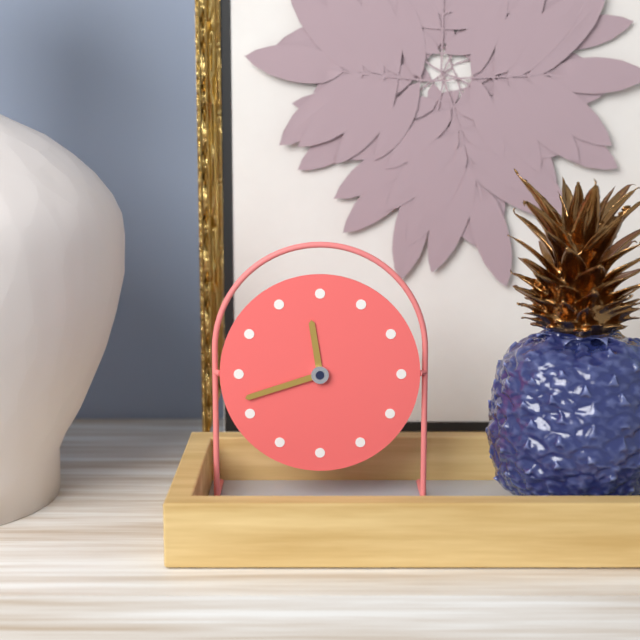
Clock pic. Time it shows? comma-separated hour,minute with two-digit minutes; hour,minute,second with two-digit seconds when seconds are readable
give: 11,42
